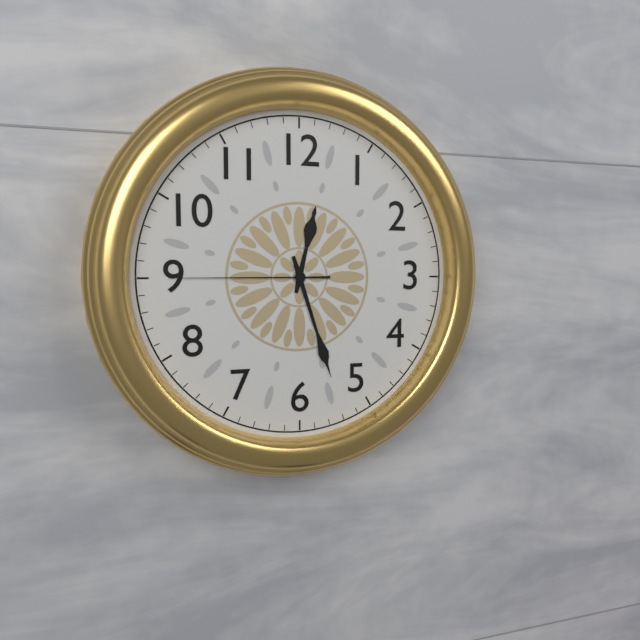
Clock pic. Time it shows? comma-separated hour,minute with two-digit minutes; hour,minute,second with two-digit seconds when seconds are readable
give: 12,27,45
